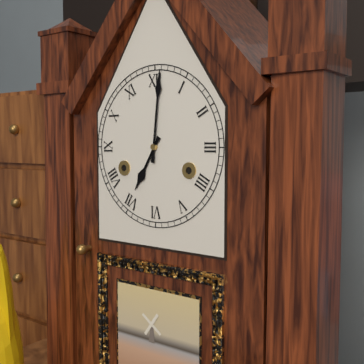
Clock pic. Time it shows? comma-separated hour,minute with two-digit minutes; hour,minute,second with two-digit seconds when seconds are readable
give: 7,01
